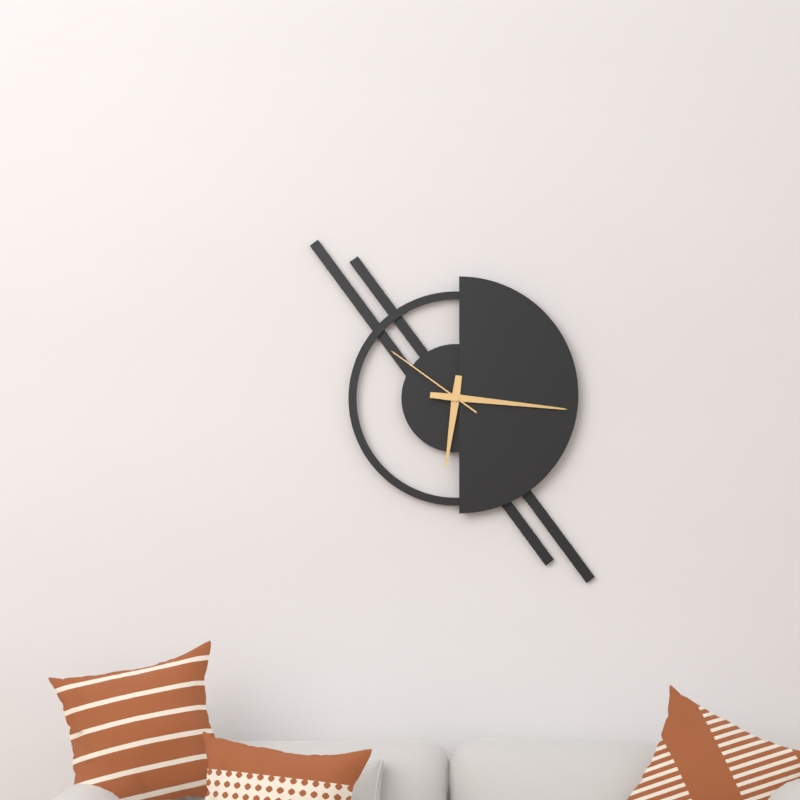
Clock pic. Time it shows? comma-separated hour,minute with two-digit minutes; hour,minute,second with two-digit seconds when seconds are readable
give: 6,16,51
